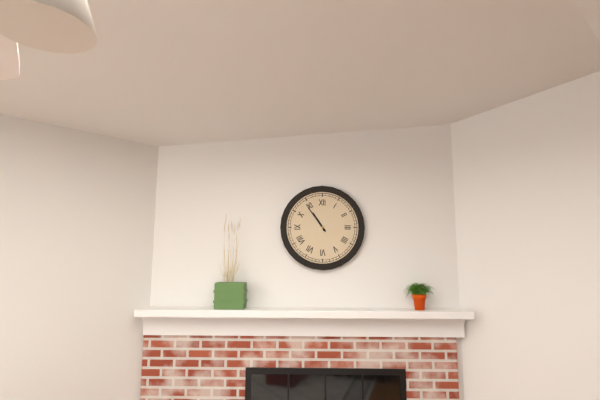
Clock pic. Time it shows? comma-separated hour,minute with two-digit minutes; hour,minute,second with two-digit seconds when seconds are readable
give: 10,54
